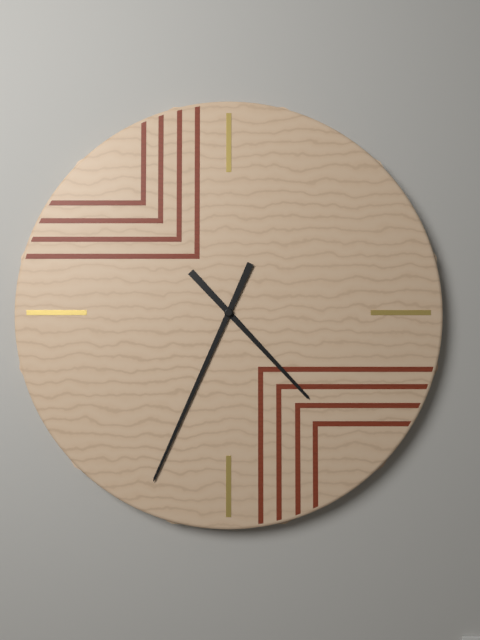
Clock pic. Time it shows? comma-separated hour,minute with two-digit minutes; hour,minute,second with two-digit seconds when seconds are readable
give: 4,34
